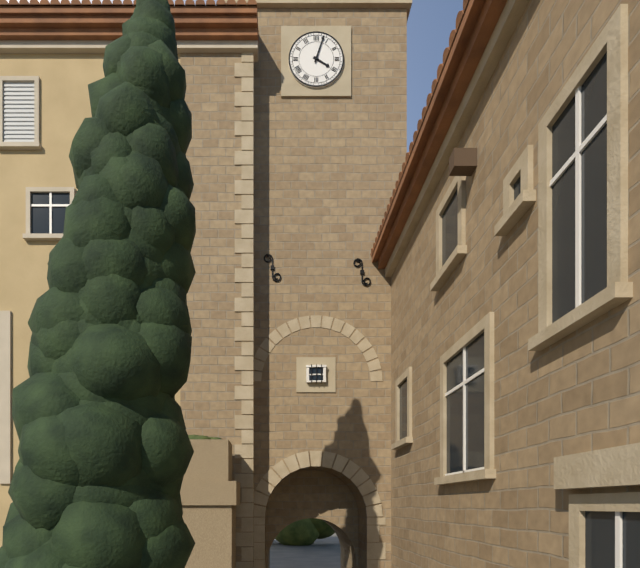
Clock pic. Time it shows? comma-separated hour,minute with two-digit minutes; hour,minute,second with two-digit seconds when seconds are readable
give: 4,03
